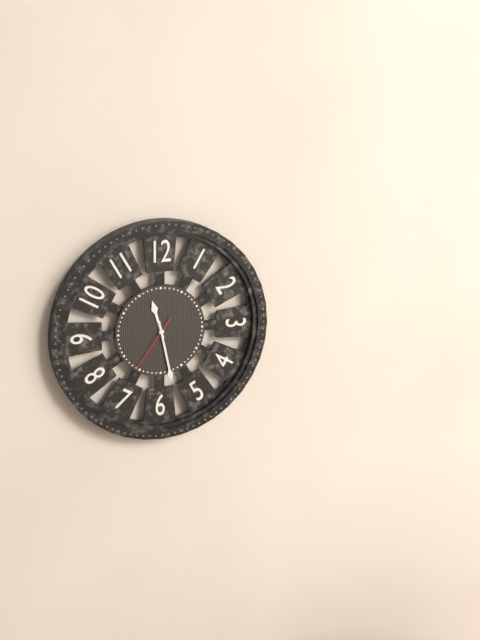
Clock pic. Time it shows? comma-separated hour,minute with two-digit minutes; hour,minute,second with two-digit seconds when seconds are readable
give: 11,28,36
